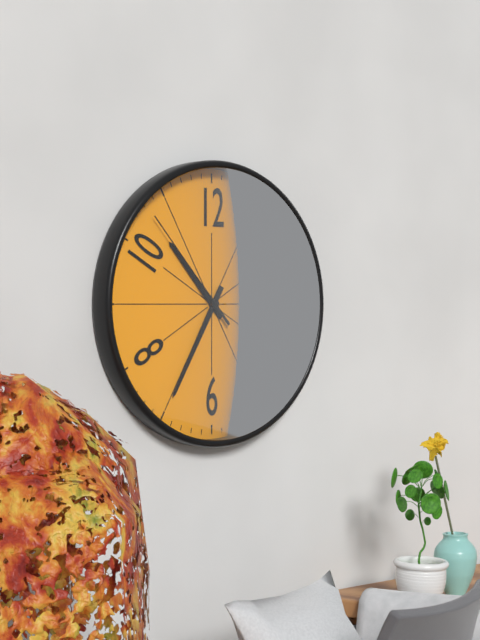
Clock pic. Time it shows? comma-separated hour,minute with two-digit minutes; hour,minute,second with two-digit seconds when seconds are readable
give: 10,35,53
